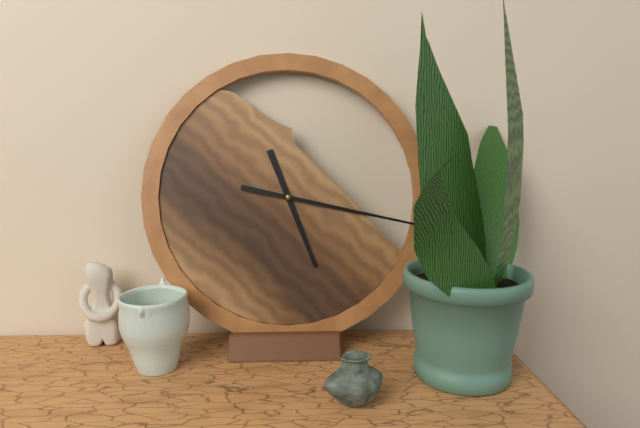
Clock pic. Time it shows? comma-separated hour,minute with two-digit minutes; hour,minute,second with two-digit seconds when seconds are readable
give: 5,17
